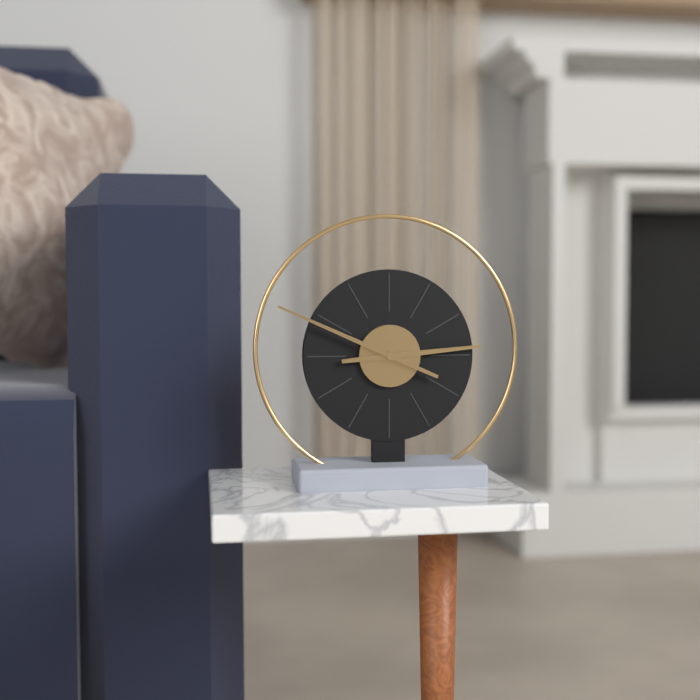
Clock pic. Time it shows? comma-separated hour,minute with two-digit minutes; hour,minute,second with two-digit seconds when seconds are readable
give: 2,49
